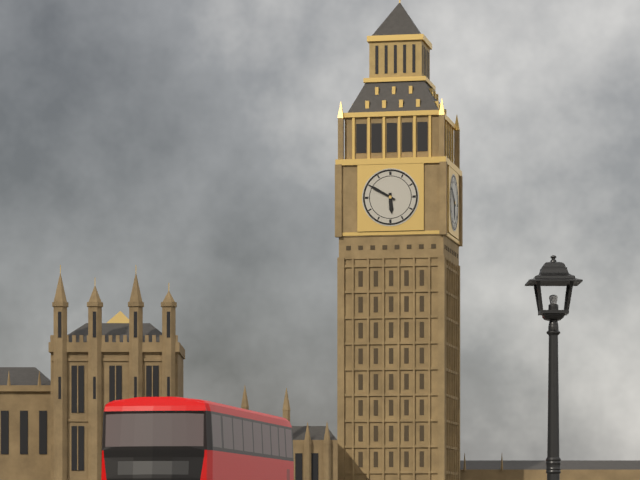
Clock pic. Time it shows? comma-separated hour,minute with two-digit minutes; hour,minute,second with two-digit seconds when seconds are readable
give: 5,50
